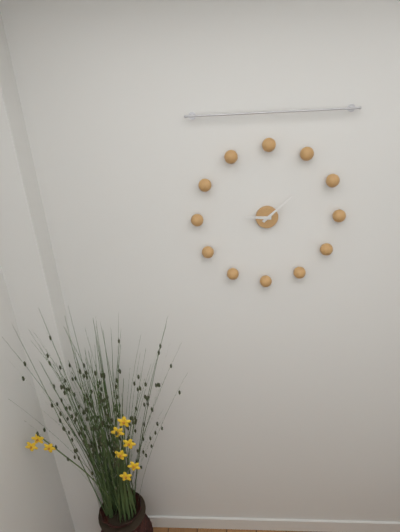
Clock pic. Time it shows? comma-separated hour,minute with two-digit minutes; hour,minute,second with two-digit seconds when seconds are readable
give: 9,08
